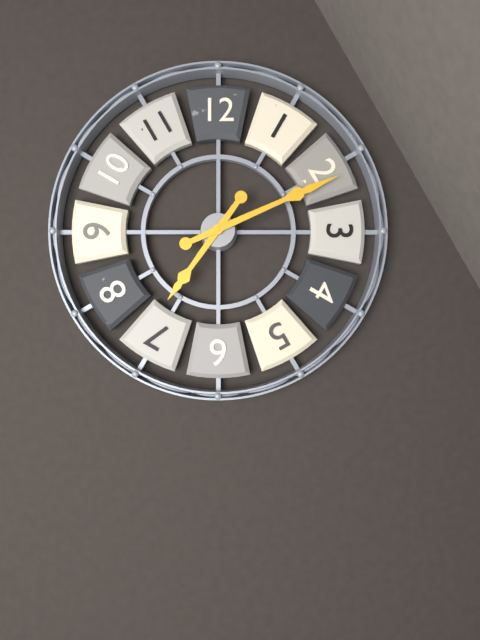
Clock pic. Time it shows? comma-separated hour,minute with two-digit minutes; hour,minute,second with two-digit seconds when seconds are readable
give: 7,11
